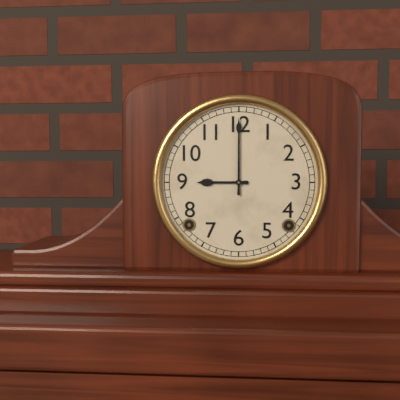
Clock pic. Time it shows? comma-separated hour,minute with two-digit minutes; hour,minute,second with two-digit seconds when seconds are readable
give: 9,00
